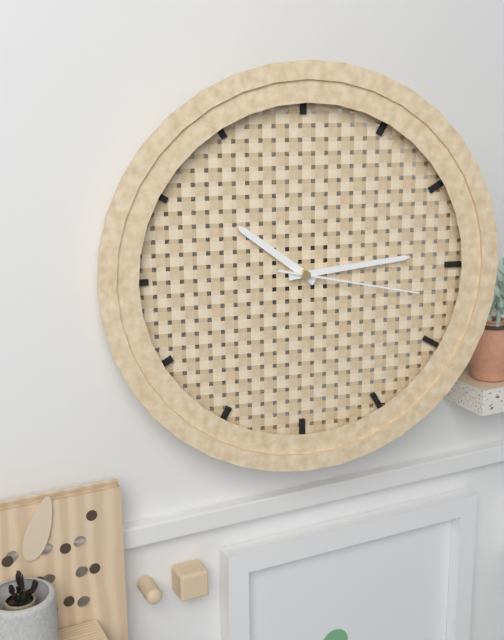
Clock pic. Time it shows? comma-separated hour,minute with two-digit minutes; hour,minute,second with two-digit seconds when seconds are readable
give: 10,14,17
